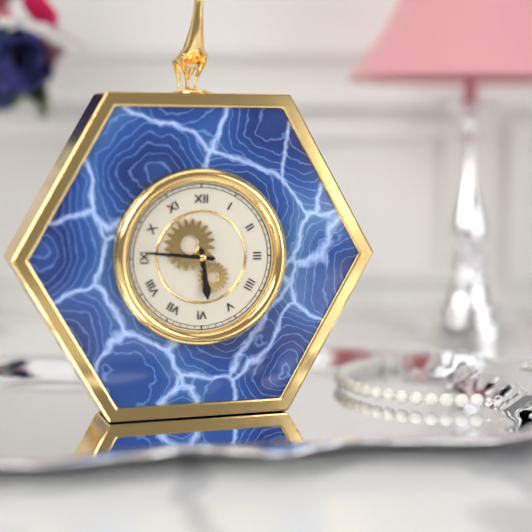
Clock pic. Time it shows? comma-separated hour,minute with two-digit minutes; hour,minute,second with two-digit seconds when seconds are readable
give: 5,46
